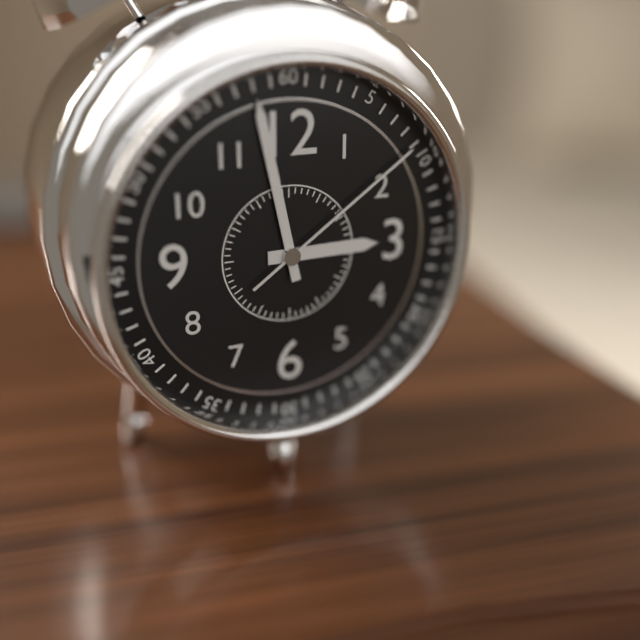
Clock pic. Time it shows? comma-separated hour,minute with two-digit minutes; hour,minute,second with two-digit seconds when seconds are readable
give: 2,58,09
